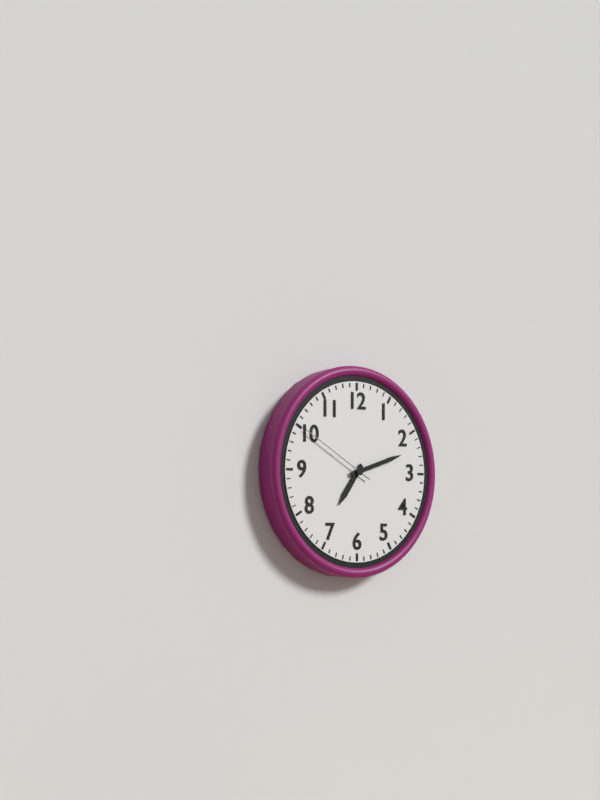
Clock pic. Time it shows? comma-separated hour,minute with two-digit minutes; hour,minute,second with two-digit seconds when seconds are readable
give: 7,12,50
